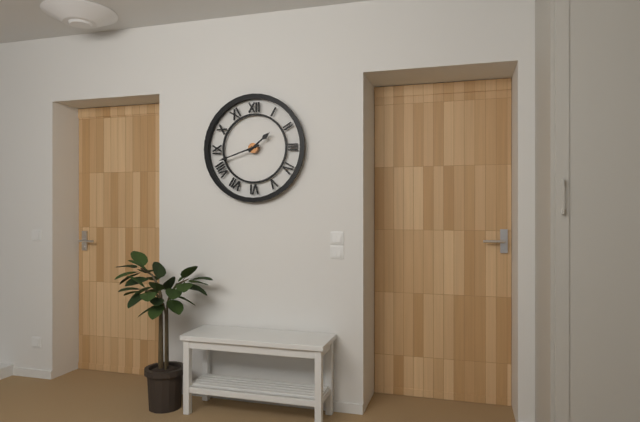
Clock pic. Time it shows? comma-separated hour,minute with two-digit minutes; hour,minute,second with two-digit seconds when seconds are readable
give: 1,42
